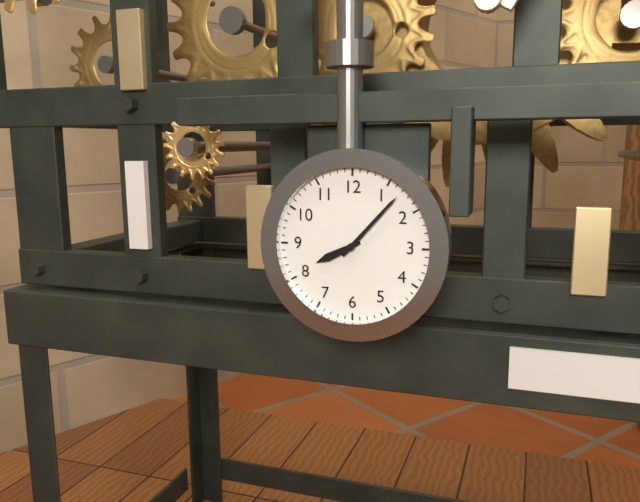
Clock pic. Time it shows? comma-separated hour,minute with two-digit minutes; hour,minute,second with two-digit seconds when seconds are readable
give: 8,07
